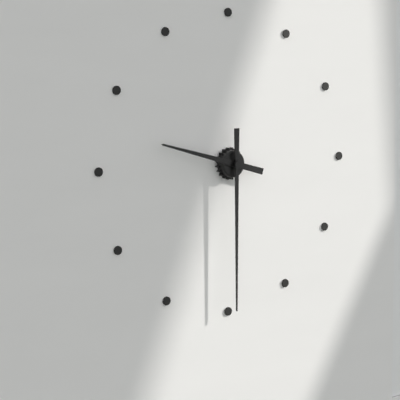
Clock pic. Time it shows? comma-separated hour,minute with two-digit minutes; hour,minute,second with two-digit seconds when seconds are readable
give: 9,30
